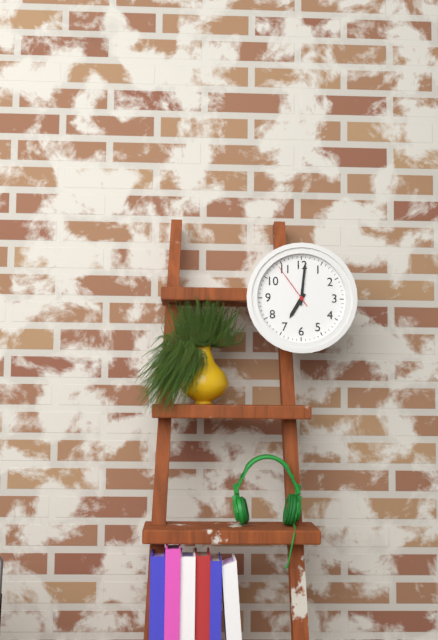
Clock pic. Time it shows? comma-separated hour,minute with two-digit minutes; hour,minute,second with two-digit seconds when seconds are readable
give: 7,01
